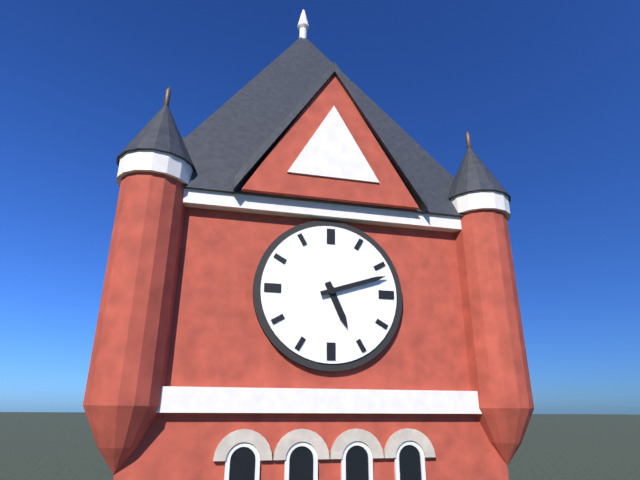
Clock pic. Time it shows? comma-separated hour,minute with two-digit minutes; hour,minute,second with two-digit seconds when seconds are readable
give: 5,12
